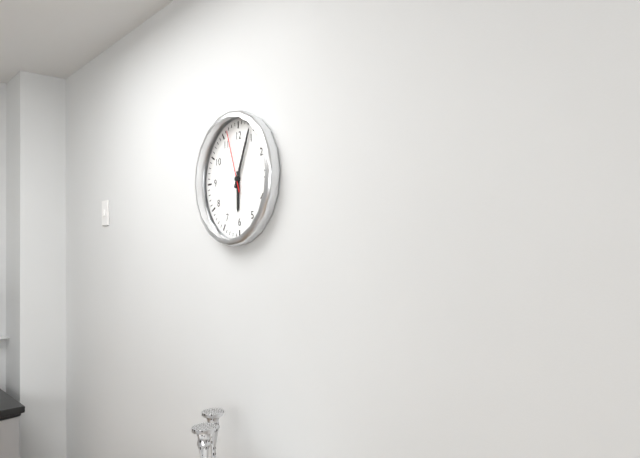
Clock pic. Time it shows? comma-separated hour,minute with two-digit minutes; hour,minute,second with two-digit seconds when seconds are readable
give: 6,04,57
